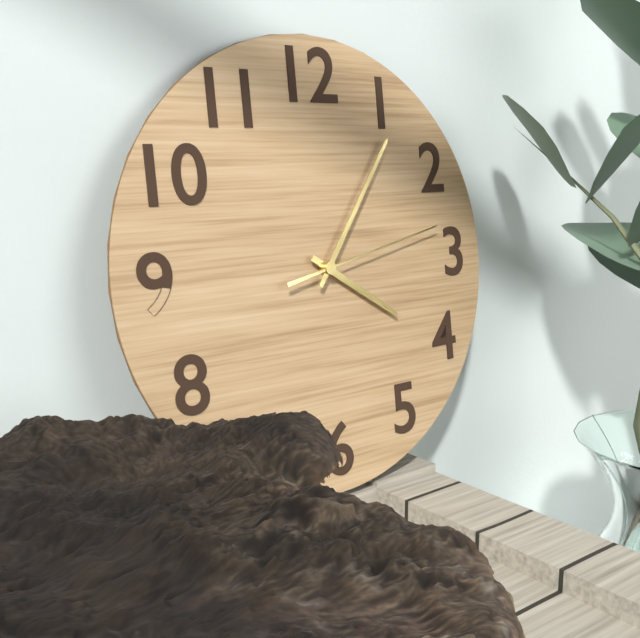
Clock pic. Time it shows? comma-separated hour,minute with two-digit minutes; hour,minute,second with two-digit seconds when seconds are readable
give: 4,06,13
